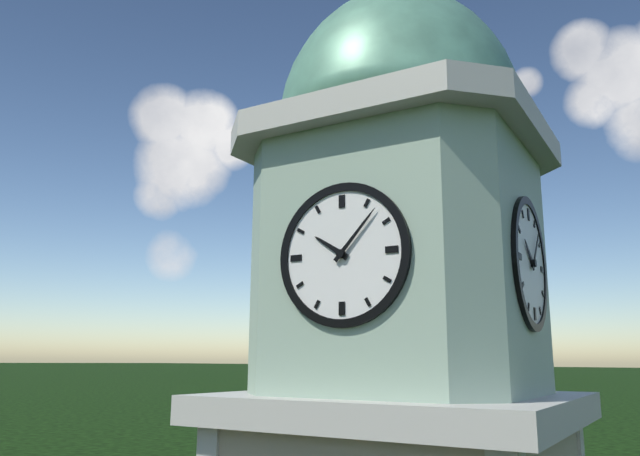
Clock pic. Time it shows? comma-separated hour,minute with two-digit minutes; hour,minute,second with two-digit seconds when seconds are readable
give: 10,07
